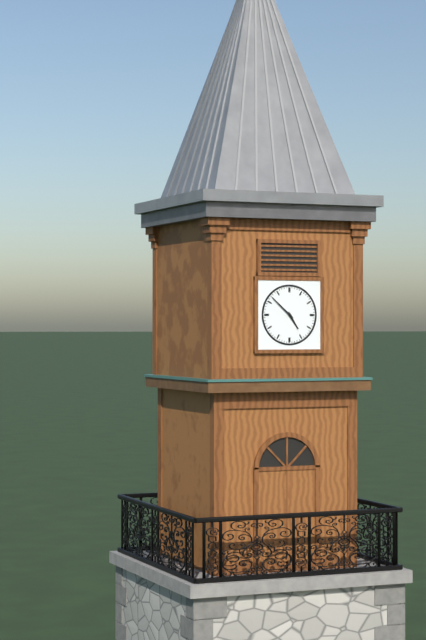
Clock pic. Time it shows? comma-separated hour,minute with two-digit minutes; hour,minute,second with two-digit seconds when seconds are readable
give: 4,52
